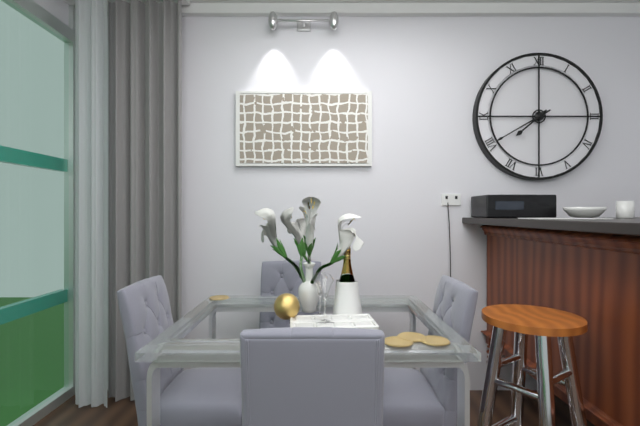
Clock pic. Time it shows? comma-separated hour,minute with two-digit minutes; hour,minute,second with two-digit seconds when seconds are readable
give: 7,40
